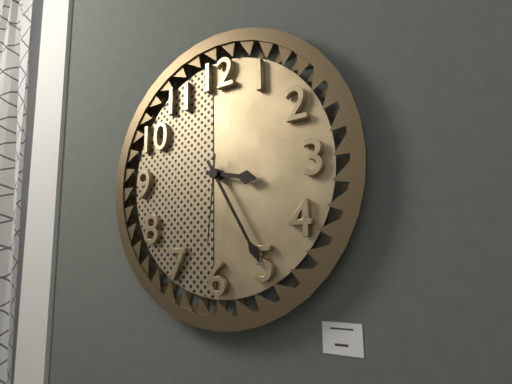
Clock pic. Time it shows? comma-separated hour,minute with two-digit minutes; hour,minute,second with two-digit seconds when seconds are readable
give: 3,25,31
